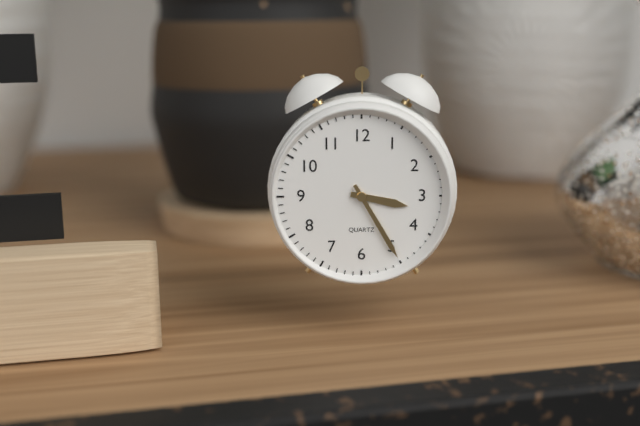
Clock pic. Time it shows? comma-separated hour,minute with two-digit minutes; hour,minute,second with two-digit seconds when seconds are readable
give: 3,25
